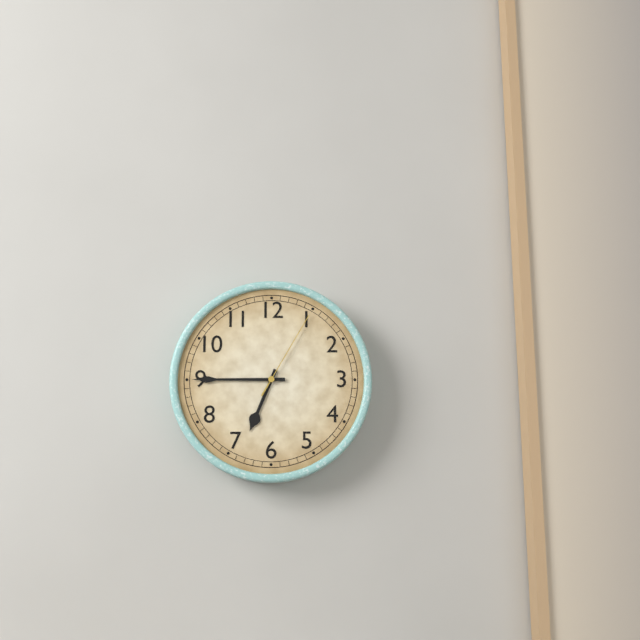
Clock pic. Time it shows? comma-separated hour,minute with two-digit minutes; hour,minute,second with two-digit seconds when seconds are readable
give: 6,45,05
